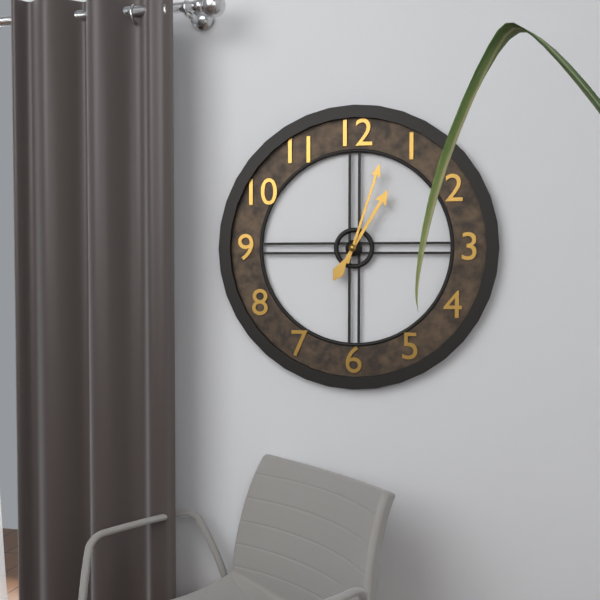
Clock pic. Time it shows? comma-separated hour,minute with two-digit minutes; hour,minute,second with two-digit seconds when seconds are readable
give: 1,03
